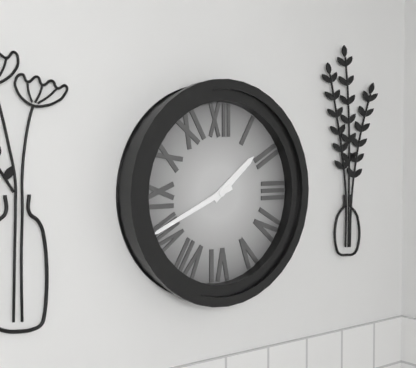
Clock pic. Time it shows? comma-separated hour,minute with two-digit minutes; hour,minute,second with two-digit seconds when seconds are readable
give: 1,41
